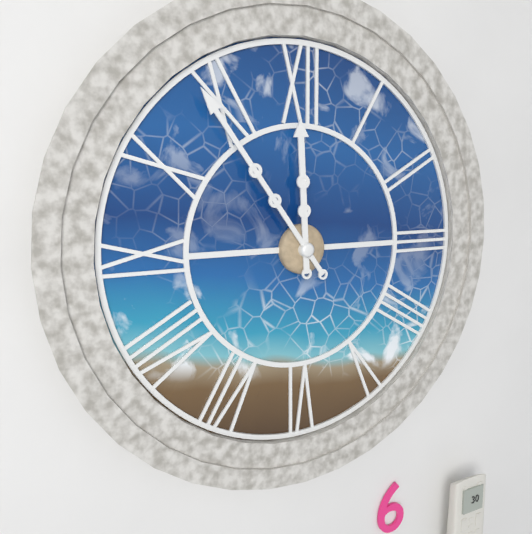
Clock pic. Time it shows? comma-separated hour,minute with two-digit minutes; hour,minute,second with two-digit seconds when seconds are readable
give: 11,54
